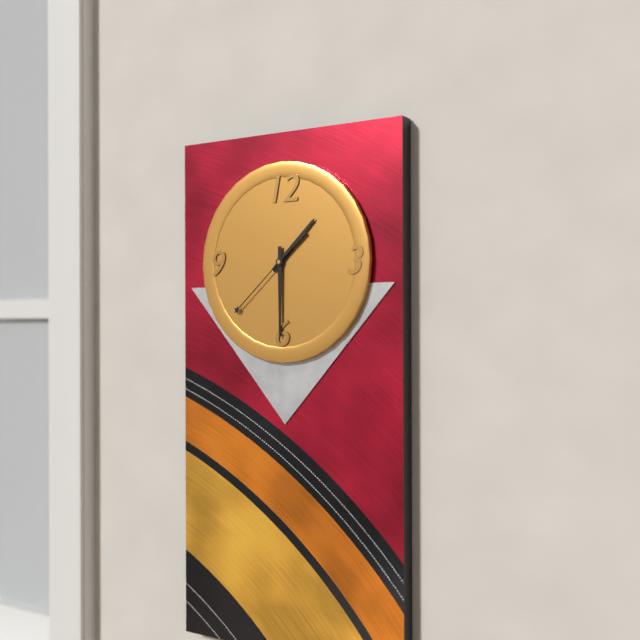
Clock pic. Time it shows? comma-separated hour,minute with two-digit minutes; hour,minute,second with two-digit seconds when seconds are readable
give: 1,30,38
